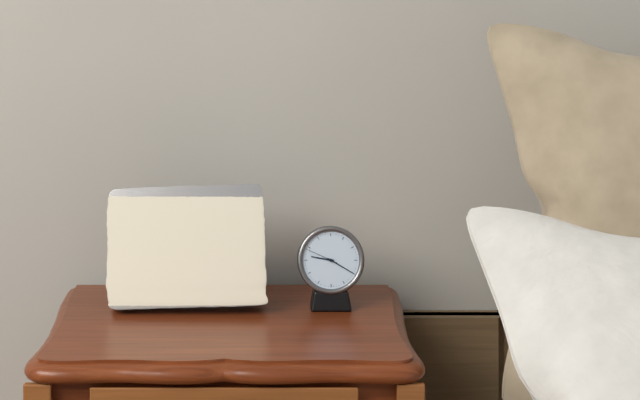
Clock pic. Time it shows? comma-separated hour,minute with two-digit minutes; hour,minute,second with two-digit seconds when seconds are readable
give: 9,20
